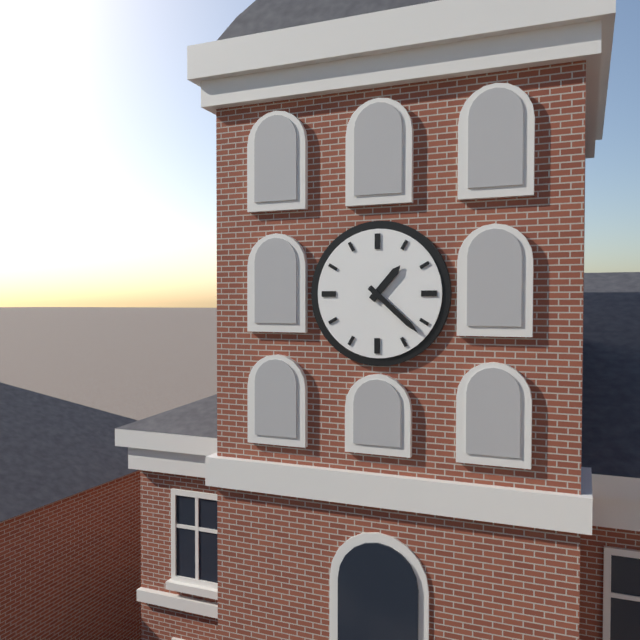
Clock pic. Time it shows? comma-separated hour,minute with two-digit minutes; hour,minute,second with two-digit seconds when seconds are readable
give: 1,22
